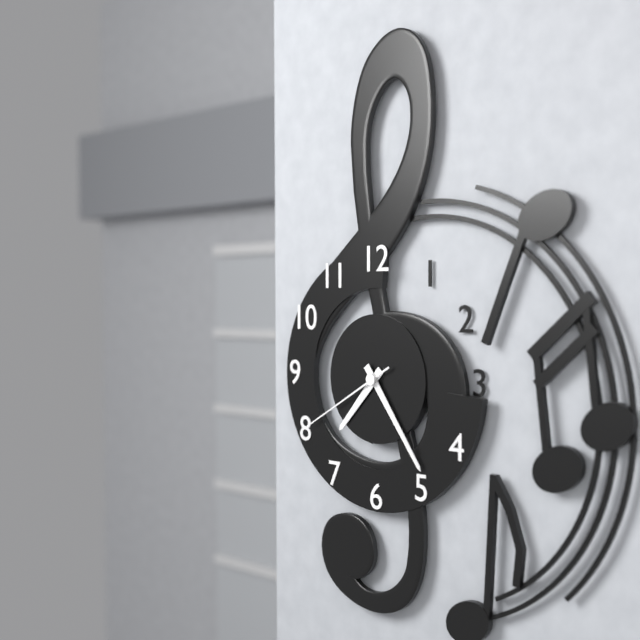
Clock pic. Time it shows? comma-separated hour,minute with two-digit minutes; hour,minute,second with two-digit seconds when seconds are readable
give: 7,24,40
